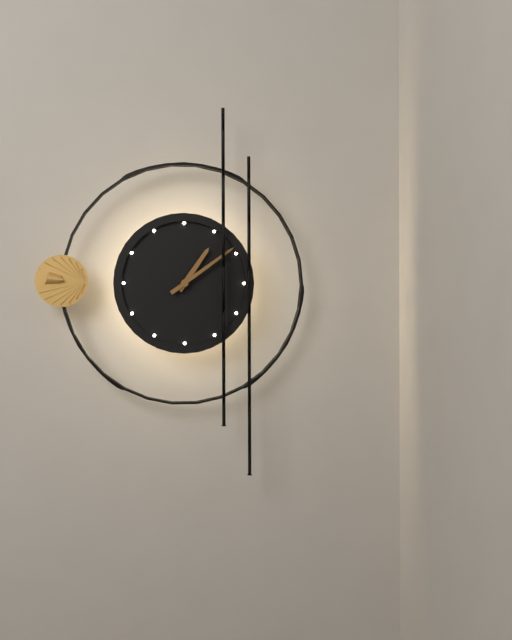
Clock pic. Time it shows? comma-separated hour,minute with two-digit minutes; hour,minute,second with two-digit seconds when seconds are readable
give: 1,09
